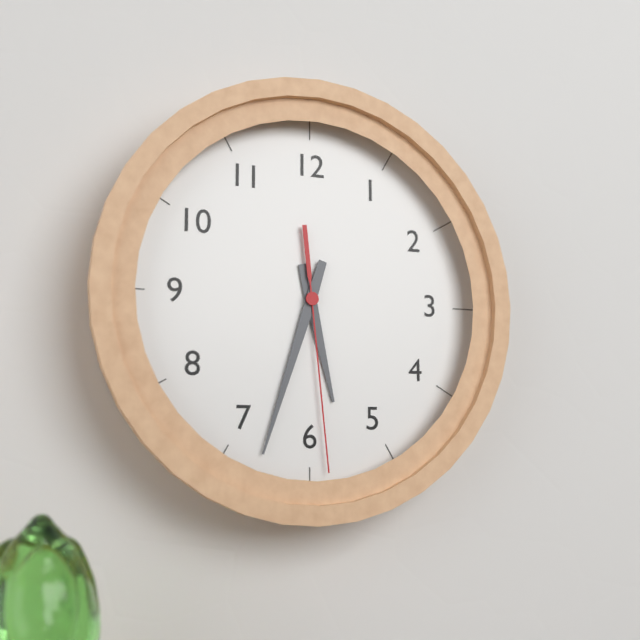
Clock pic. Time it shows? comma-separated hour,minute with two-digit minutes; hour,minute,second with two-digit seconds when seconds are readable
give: 5,33,29
